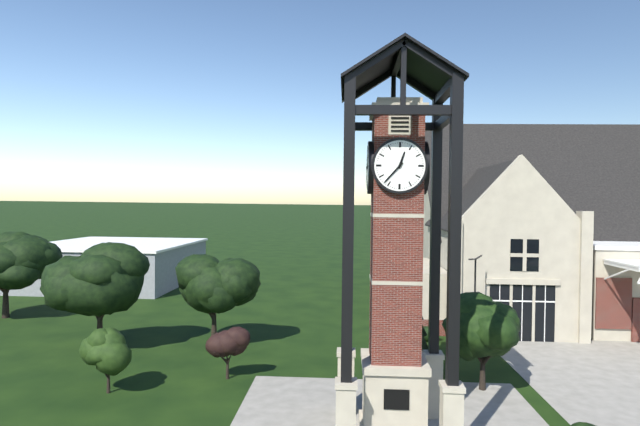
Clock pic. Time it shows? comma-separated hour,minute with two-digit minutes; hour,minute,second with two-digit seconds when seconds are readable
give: 12,37
